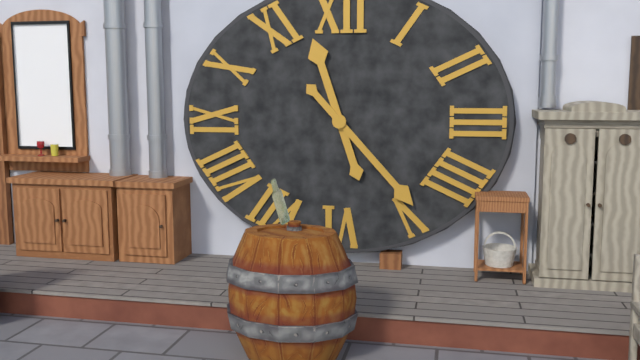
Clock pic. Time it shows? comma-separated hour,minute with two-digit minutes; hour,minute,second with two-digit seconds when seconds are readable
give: 11,23
